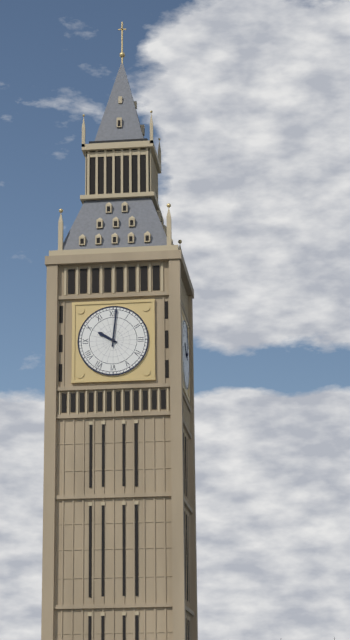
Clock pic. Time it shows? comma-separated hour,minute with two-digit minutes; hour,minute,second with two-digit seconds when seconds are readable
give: 10,01
